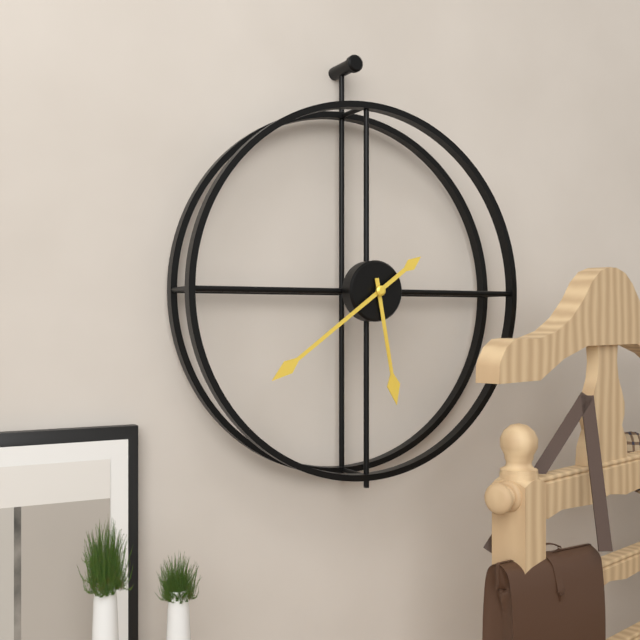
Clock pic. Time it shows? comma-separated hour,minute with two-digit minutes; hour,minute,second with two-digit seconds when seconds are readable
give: 5,39
